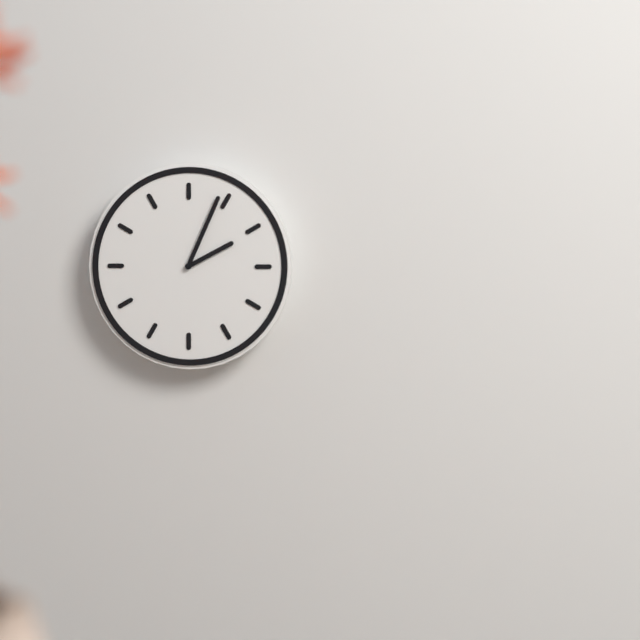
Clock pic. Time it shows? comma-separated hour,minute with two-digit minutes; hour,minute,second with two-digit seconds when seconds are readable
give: 2,04
